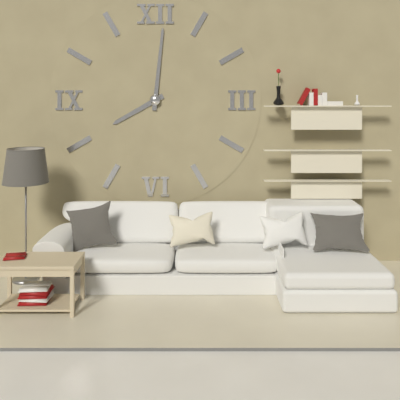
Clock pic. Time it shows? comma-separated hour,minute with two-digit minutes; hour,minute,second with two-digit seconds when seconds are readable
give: 8,01
